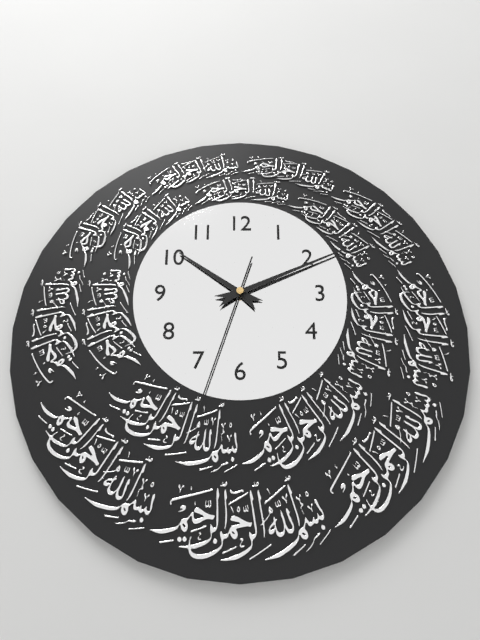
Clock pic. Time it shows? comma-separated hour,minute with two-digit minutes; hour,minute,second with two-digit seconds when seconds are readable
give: 10,11,33
